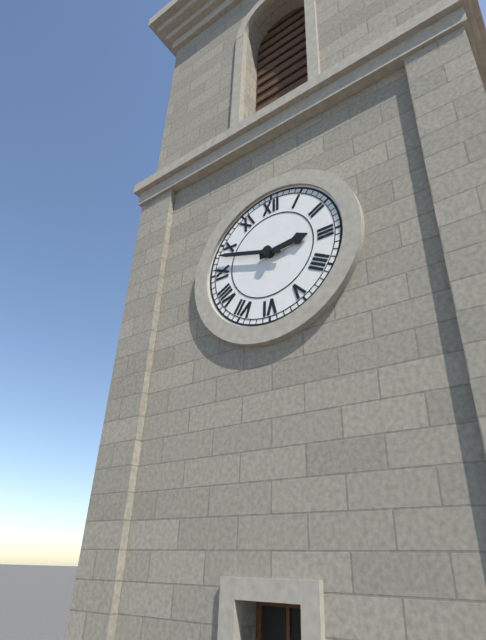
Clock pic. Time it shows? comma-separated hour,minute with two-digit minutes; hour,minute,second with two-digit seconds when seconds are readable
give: 2,48
